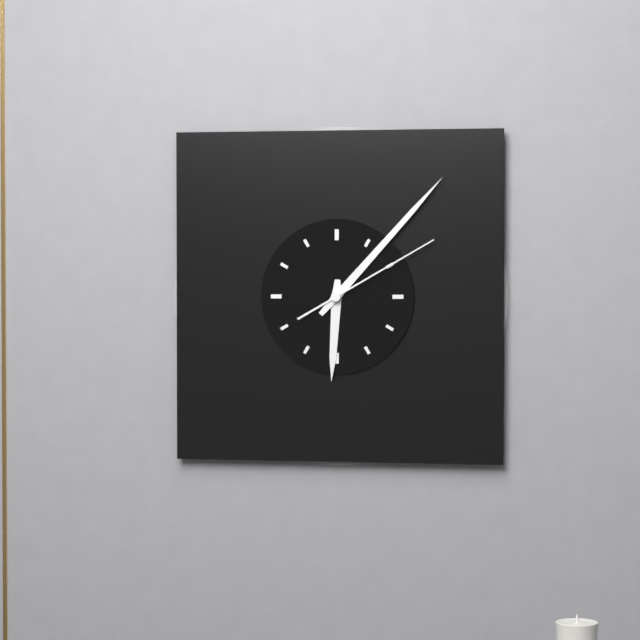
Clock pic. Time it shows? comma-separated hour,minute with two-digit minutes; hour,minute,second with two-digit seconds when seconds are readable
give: 6,07,10
